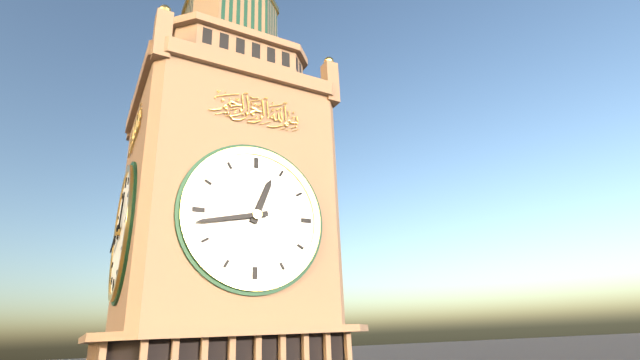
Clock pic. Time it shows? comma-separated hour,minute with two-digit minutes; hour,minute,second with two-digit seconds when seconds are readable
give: 12,43
